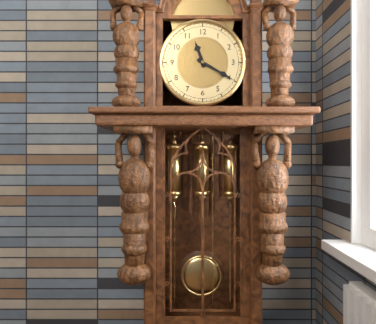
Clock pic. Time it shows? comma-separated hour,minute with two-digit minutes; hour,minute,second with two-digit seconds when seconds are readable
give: 11,20
